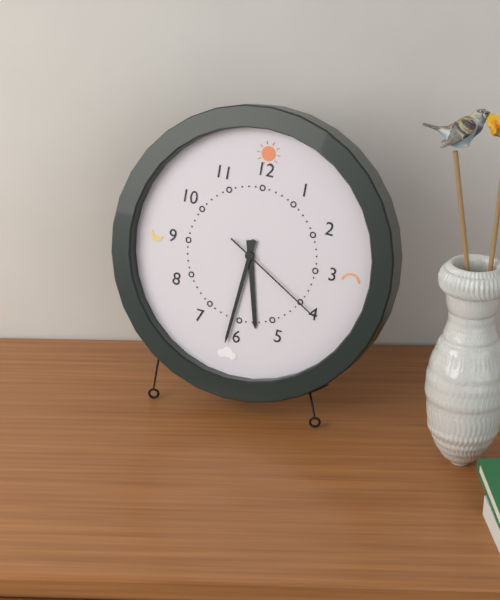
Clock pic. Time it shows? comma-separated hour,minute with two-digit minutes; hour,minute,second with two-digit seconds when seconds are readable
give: 5,31,20
